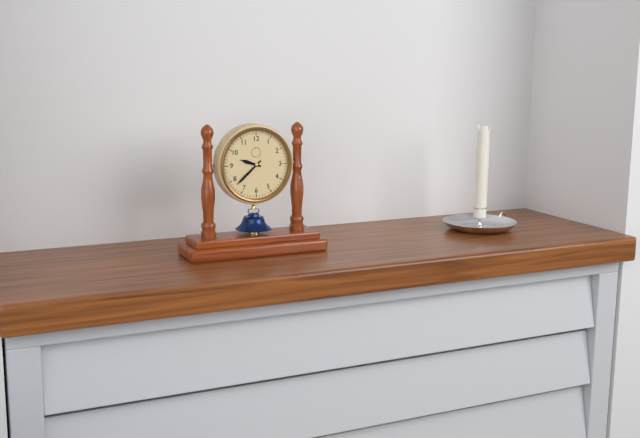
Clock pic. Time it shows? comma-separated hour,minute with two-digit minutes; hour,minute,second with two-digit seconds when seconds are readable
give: 9,38
